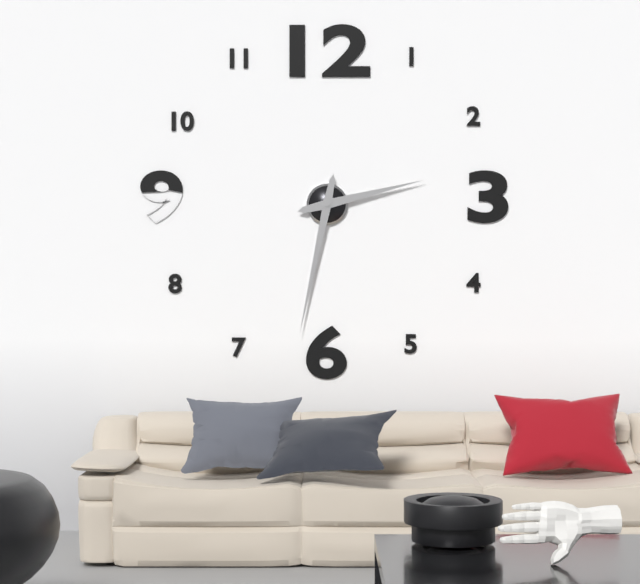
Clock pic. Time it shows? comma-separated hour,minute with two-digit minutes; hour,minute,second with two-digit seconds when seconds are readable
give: 2,32
